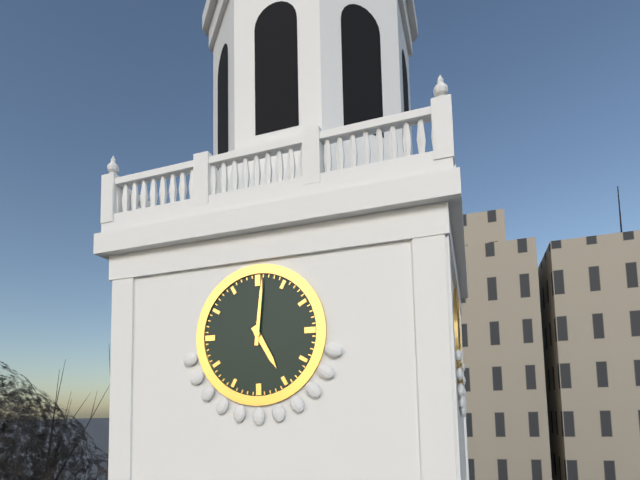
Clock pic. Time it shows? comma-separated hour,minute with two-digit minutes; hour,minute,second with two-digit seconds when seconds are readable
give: 5,01
